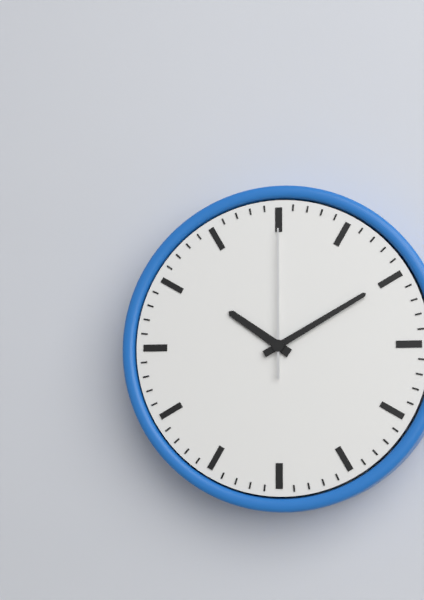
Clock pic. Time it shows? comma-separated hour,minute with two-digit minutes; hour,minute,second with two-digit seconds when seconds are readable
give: 10,10,00
